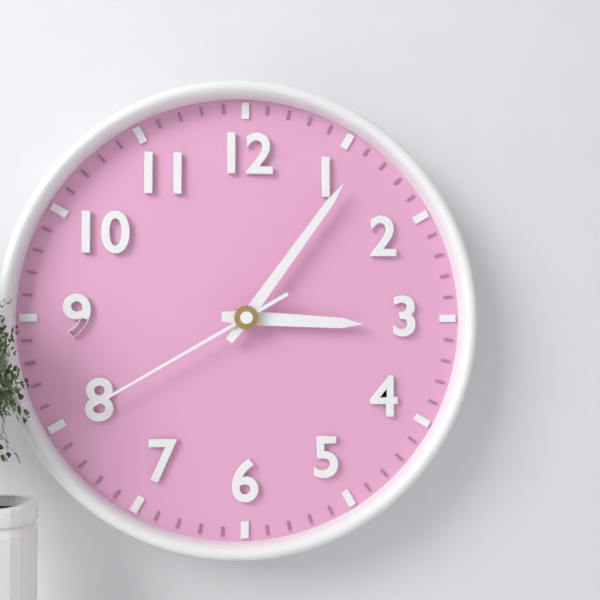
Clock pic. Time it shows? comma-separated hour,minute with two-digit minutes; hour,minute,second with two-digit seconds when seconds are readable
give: 3,06,40
